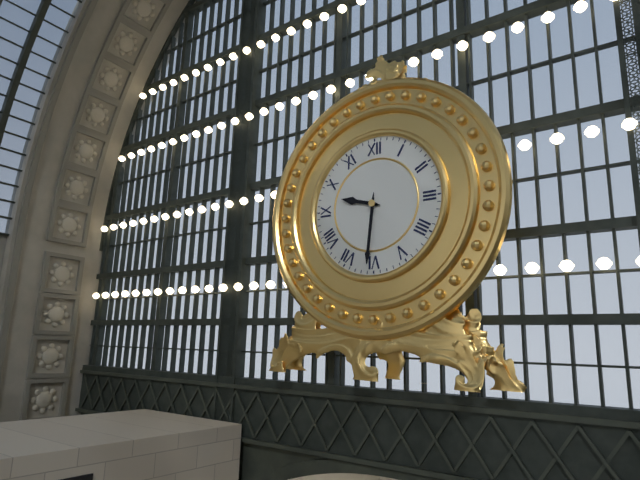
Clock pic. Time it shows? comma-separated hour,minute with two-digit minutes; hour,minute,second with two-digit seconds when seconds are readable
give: 9,31
